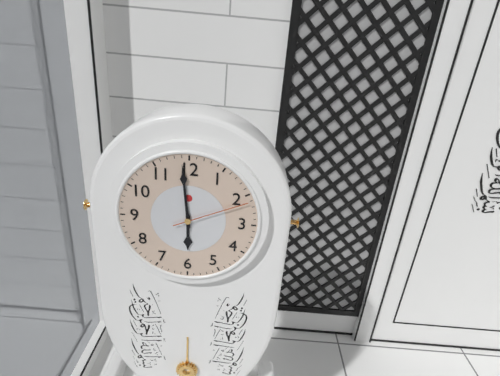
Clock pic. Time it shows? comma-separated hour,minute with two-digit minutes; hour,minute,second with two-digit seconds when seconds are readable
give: 5,59,11
